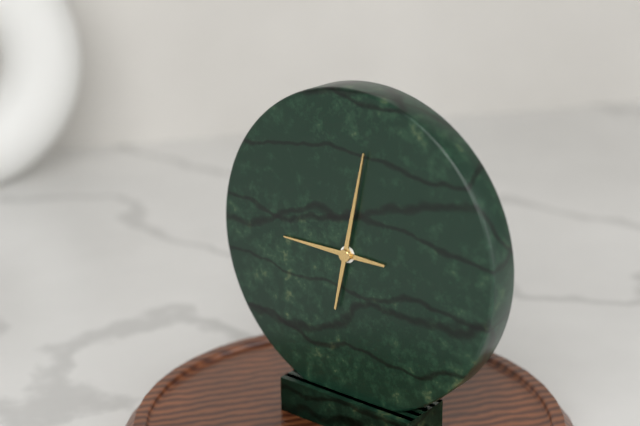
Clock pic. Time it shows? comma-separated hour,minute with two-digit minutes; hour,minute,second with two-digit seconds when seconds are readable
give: 9,02
